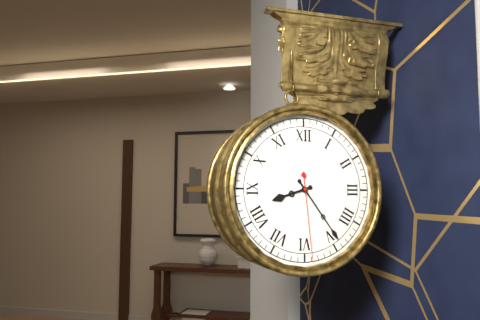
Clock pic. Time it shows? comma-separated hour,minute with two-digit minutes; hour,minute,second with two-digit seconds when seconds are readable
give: 8,24,29
